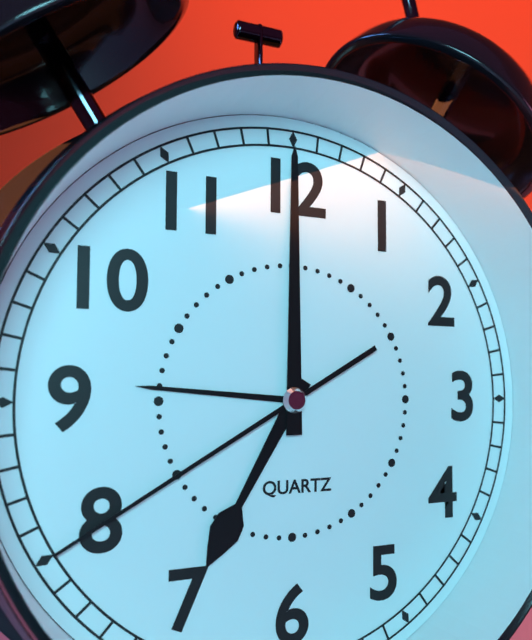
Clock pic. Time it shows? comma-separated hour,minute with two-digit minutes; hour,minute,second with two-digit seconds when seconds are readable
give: 7,00,40
